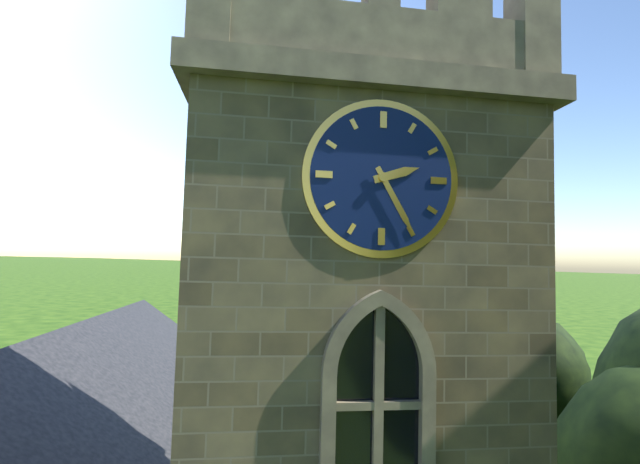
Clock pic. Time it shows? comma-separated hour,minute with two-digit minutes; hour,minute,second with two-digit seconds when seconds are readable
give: 2,25
